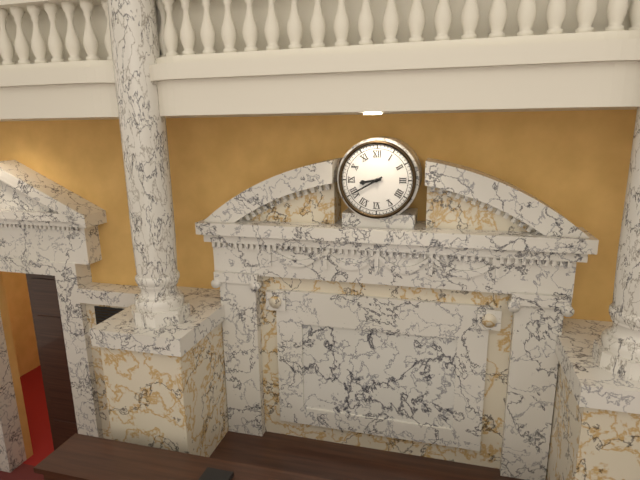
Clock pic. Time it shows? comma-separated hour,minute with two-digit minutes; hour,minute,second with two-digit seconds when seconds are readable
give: 8,40
